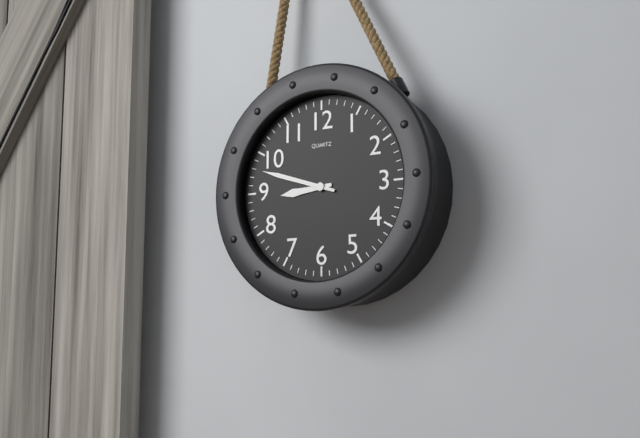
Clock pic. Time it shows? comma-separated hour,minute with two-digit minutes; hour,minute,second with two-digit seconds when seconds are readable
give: 8,48
